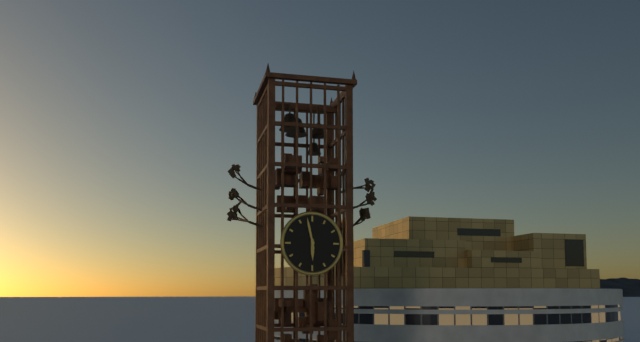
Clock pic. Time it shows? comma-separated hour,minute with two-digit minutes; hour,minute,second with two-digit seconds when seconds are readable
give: 5,58
